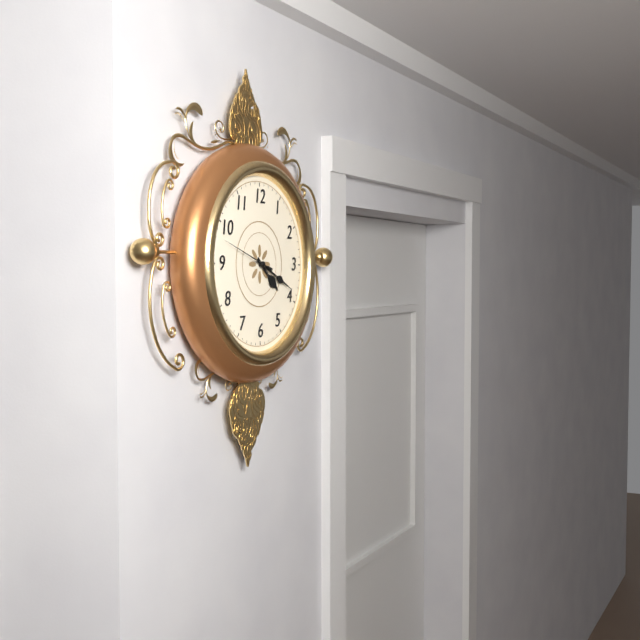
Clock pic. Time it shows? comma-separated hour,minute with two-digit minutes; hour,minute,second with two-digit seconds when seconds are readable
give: 4,19,48
